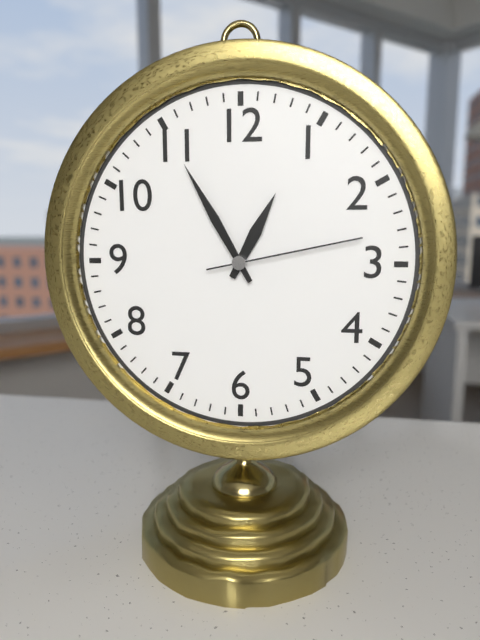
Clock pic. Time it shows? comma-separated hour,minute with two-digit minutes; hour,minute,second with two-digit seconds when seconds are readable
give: 12,55,13
